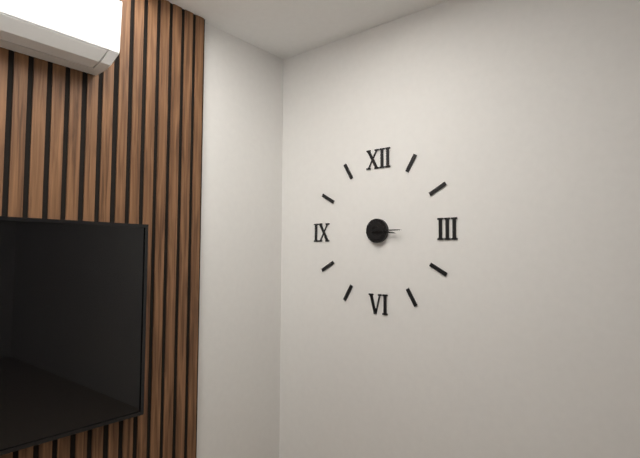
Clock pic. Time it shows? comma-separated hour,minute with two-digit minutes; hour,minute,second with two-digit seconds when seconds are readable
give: 3,15
